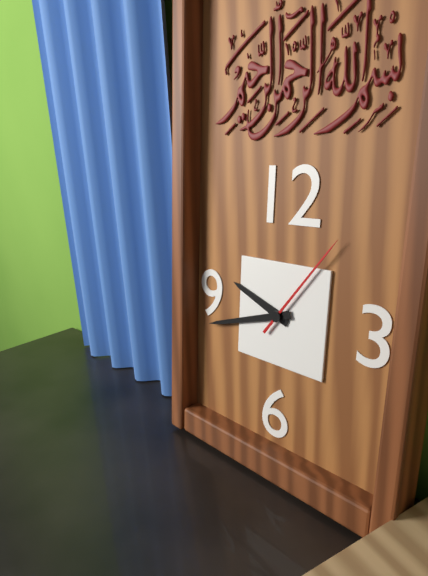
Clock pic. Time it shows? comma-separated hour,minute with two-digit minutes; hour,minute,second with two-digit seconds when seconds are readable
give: 9,42,06
